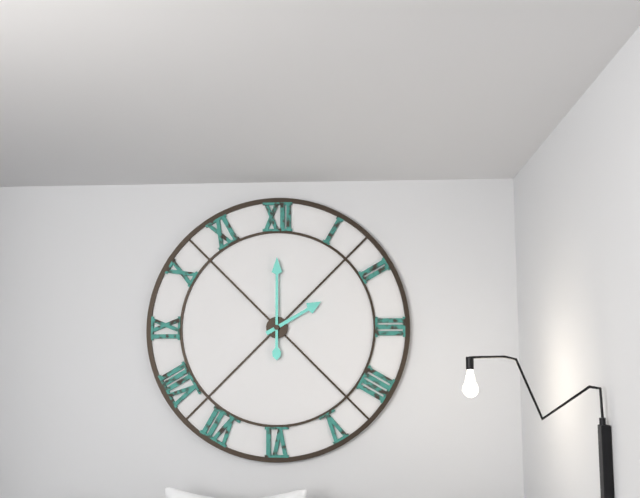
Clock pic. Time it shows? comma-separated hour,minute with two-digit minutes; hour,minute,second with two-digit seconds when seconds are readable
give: 2,00
